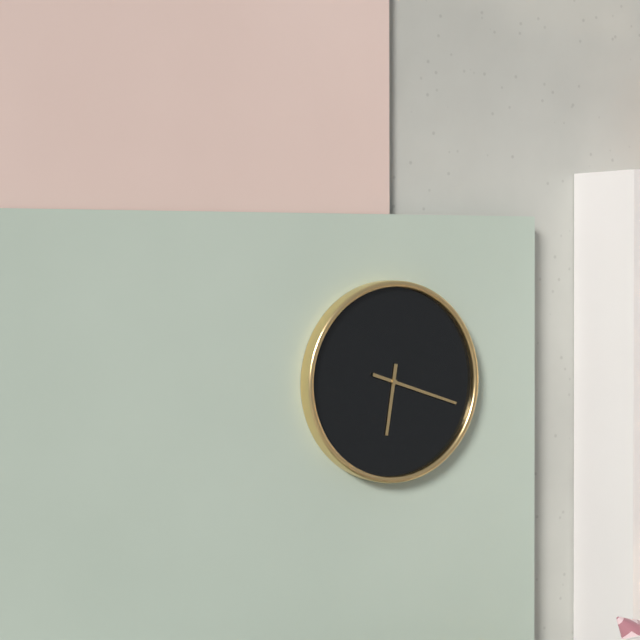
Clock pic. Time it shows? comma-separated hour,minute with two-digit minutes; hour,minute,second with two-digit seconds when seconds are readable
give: 6,18
